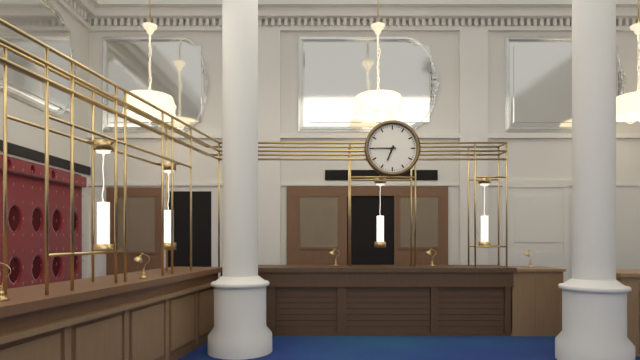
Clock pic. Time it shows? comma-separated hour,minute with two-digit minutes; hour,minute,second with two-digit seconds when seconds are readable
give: 6,45
